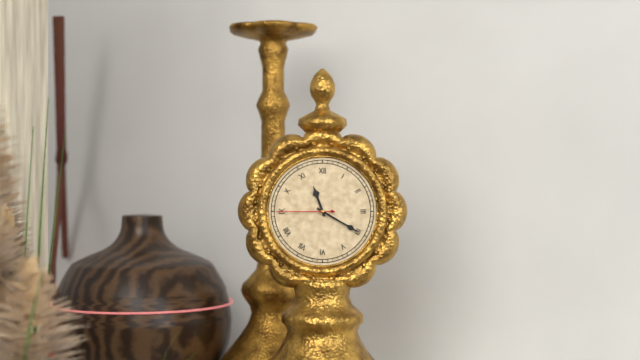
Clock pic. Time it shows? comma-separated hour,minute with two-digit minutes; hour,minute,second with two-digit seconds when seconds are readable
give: 11,20,45
